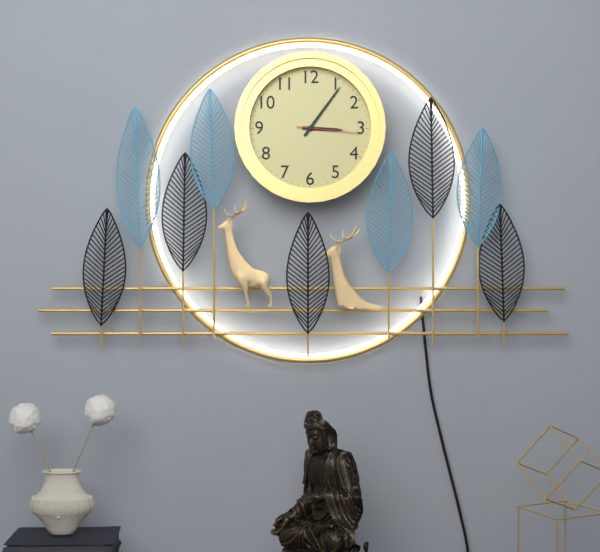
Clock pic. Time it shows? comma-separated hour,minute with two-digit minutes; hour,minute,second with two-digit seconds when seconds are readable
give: 3,06,16
